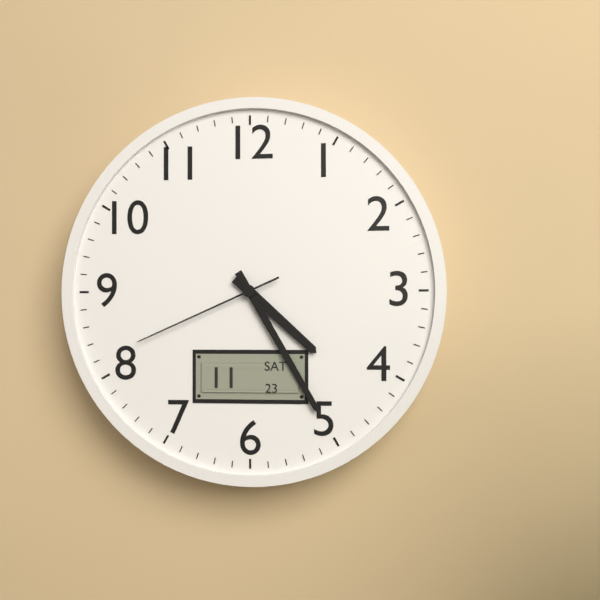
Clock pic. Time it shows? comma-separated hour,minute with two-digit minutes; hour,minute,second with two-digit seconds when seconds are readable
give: 4,25,41
